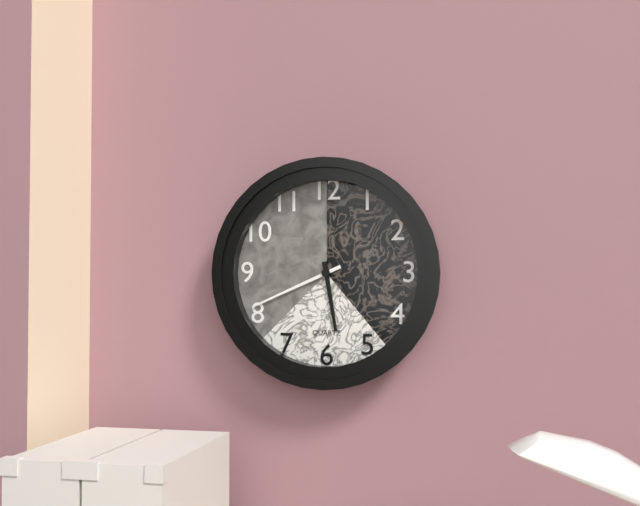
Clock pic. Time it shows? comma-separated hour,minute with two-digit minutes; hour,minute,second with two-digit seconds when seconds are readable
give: 5,41
